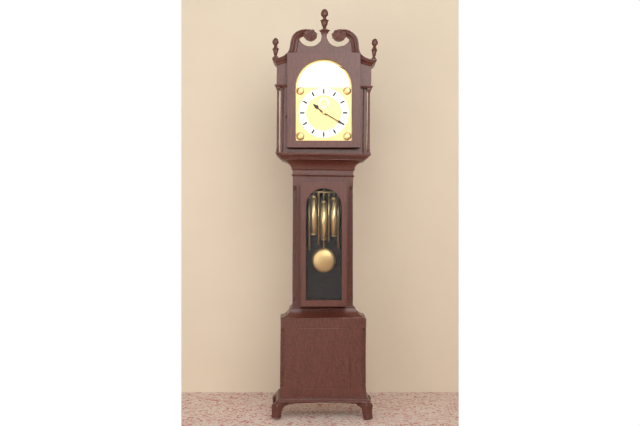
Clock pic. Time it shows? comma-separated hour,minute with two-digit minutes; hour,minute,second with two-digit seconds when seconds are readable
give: 10,20
